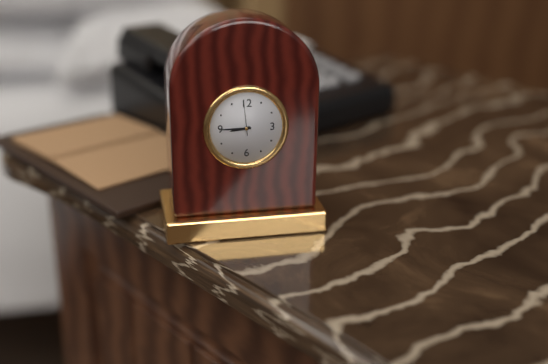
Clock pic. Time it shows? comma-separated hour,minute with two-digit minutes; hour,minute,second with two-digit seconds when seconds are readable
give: 8,45
